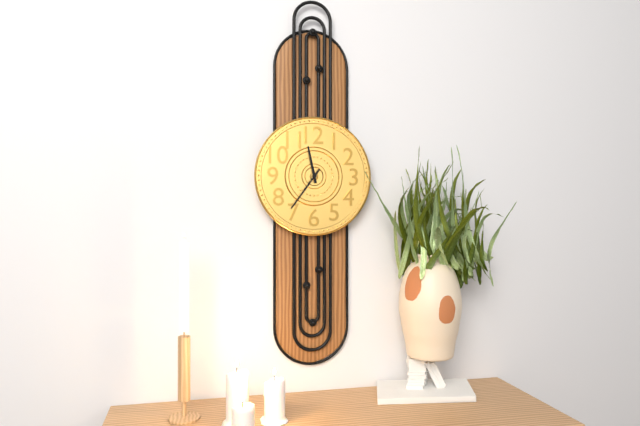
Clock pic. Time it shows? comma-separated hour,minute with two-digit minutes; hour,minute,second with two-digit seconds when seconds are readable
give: 11,36
